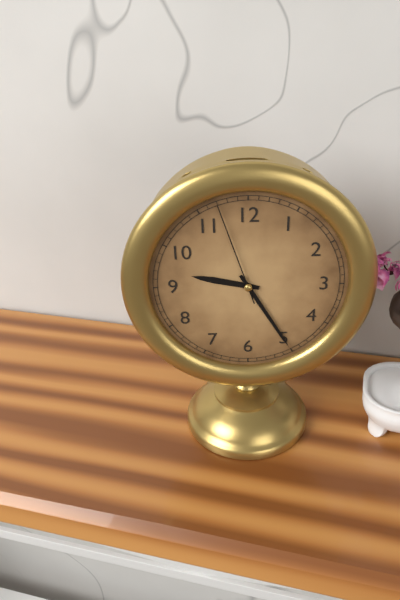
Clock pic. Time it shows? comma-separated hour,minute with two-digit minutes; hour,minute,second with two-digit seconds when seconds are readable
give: 9,25,57
